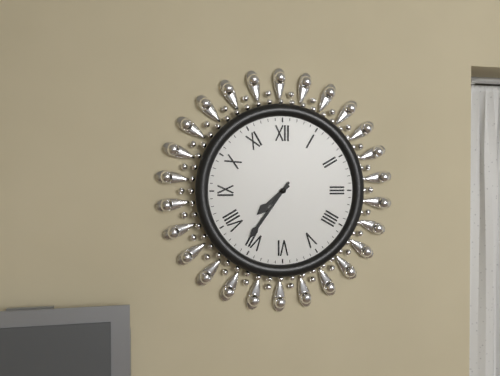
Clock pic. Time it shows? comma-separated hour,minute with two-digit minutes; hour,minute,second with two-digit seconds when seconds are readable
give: 7,36
